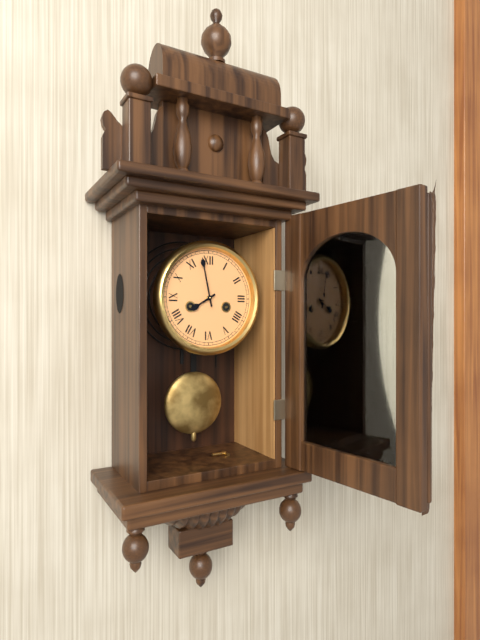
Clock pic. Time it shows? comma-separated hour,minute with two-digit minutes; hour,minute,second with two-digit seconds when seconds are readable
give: 7,58
